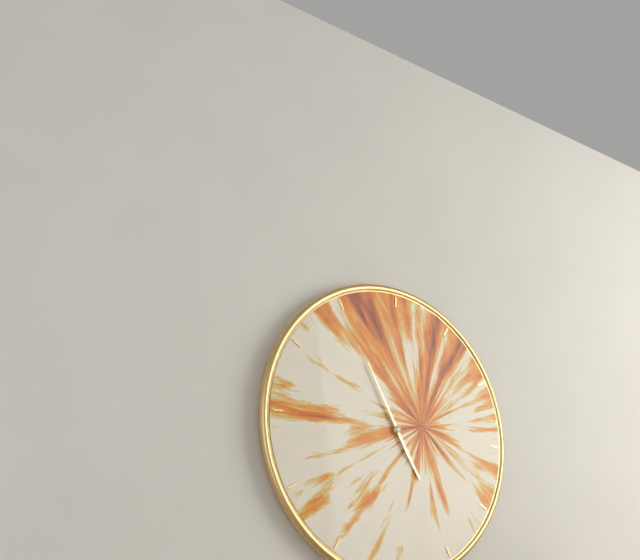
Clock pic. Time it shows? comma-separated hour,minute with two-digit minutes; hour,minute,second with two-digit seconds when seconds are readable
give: 4,55
